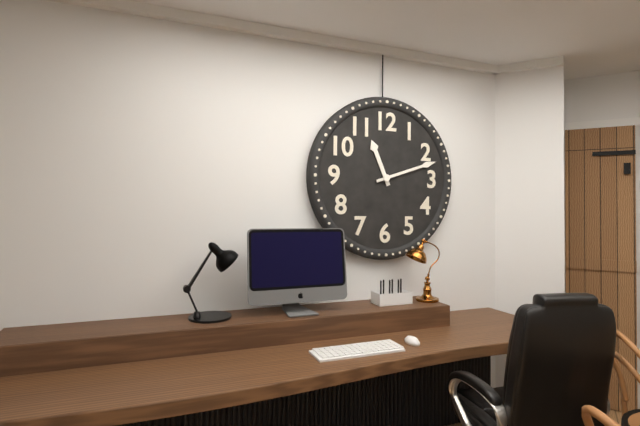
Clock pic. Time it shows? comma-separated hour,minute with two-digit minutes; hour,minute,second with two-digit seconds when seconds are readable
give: 11,12
